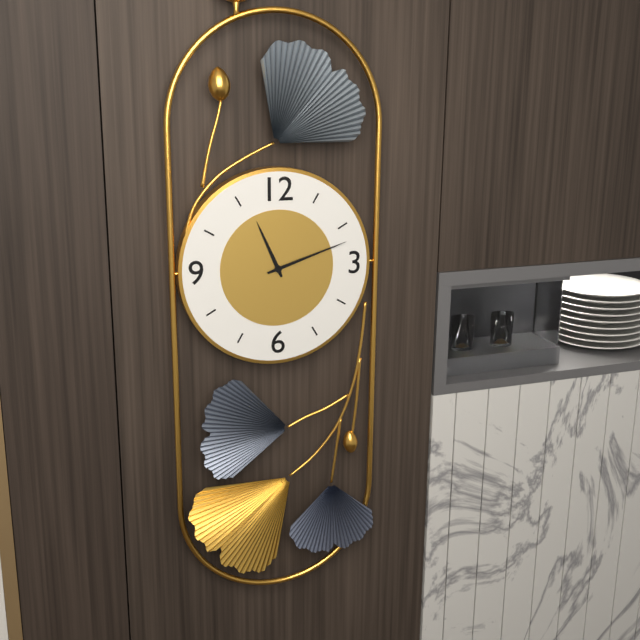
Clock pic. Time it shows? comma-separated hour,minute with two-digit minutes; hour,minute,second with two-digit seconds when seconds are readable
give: 11,12
